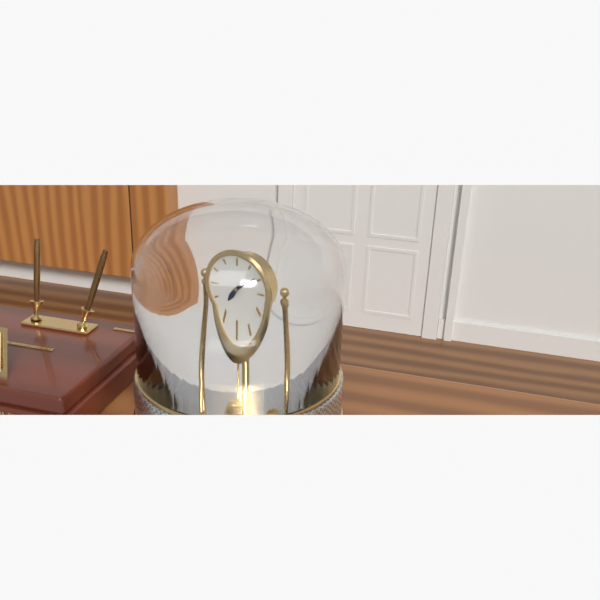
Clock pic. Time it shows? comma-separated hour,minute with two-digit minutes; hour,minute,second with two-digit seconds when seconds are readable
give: 7,09
